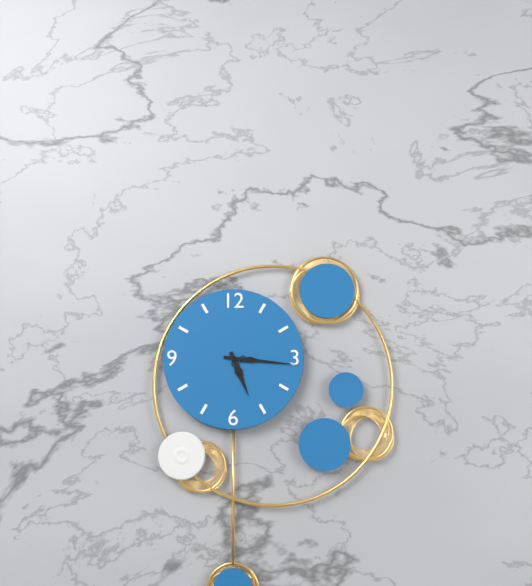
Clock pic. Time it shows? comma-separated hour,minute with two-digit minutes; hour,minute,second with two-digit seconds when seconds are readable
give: 5,16
